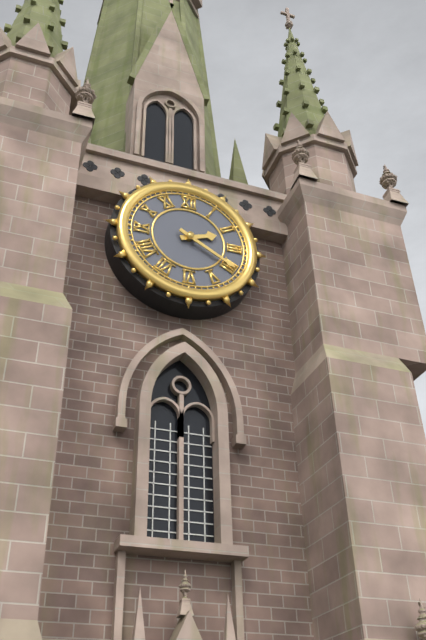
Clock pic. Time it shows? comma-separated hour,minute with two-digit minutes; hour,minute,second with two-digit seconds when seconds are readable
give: 2,20
